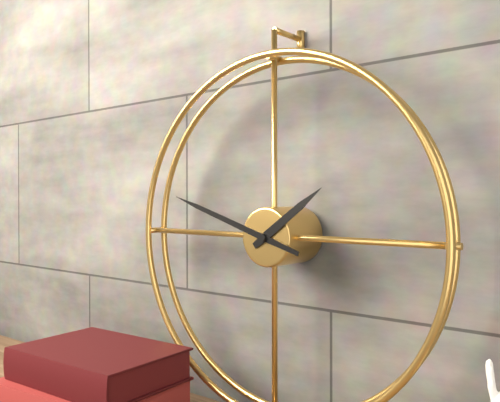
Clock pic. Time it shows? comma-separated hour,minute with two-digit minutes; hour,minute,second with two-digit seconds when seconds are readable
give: 1,48
